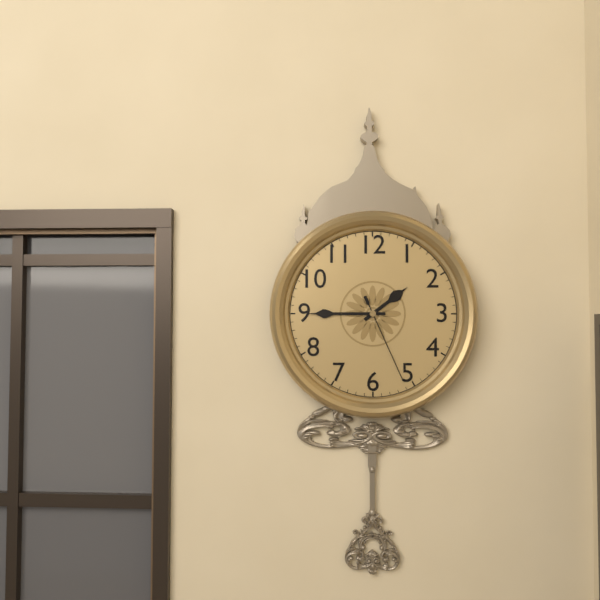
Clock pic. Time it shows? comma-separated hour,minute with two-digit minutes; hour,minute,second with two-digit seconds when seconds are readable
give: 1,45,26
